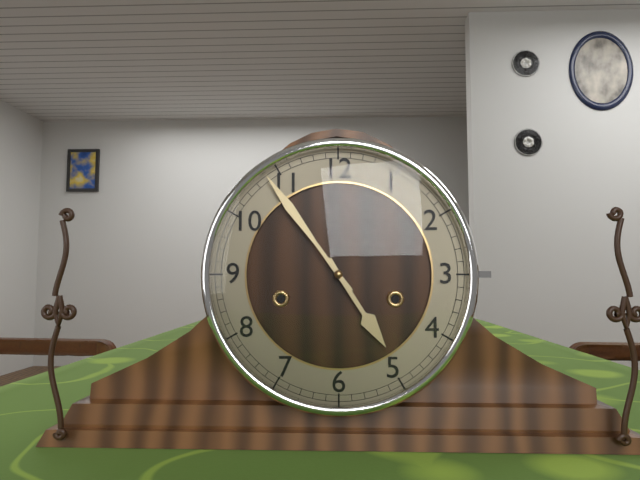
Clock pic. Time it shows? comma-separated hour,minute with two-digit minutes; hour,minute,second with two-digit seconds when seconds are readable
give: 4,54
